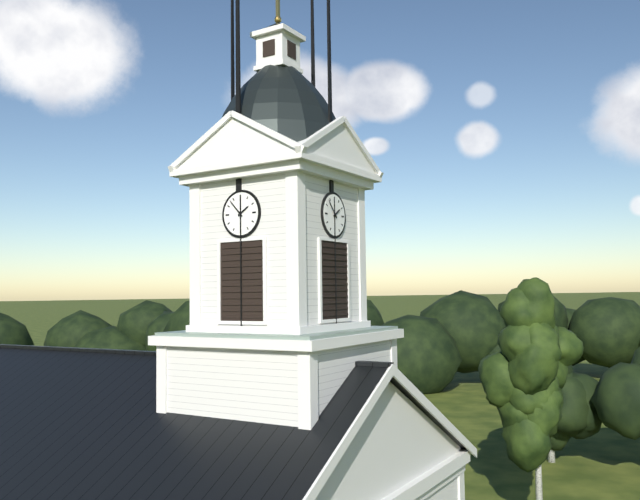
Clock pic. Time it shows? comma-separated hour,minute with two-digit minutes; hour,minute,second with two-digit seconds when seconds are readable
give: 1,53
